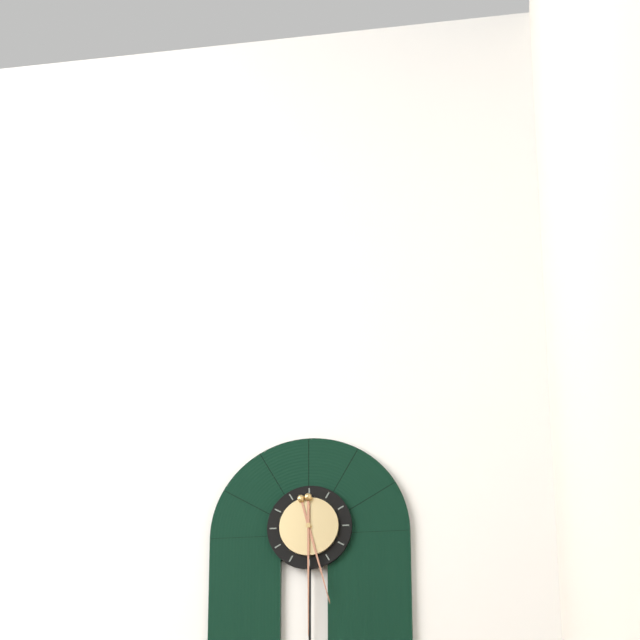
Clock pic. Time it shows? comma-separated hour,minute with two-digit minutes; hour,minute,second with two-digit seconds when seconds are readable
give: 5,30
